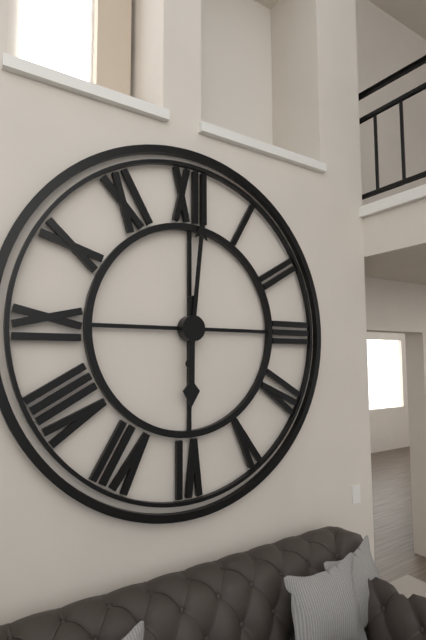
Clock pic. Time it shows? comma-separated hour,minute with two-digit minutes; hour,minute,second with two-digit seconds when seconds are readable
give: 6,01
